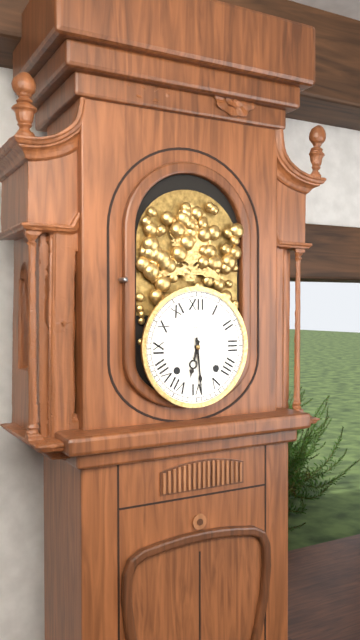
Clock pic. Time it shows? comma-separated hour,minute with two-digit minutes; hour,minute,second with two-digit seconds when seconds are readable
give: 6,29
